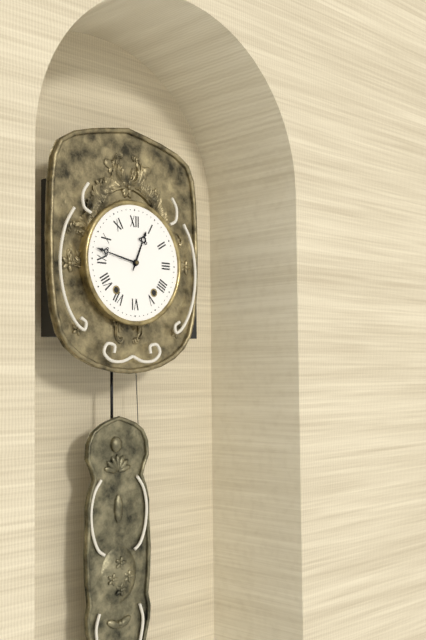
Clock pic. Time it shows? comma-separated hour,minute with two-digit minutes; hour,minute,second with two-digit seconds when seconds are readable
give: 12,47
